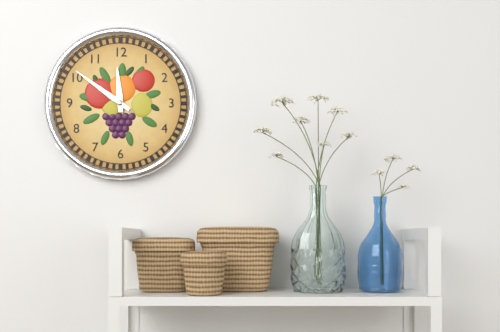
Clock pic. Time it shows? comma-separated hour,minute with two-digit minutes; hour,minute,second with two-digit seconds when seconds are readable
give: 11,51
